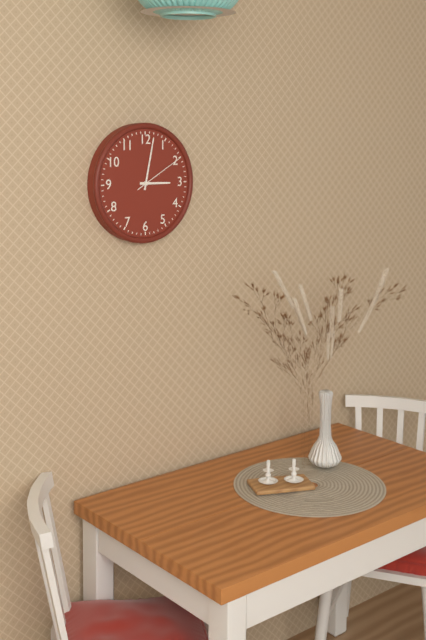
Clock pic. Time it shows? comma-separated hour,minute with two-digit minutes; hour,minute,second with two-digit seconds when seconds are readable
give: 3,02,10
